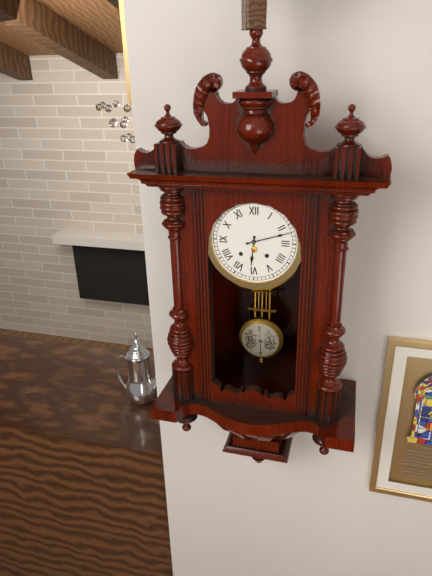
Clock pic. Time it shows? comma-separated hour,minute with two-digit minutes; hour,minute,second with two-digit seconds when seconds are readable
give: 6,12
